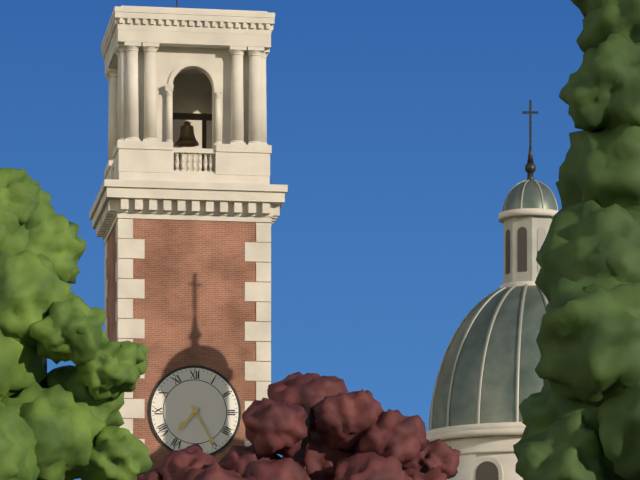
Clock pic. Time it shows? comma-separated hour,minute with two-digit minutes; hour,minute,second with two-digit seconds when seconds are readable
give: 7,25
